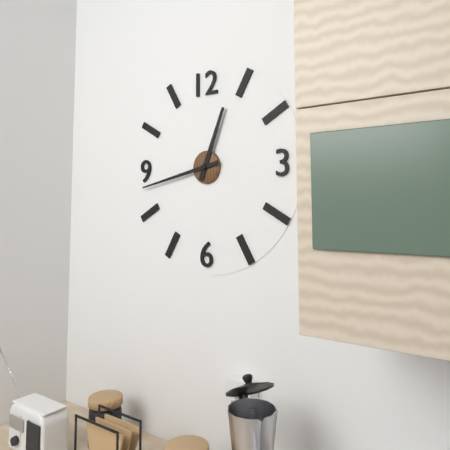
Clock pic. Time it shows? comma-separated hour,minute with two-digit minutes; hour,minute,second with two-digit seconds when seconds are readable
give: 12,43
